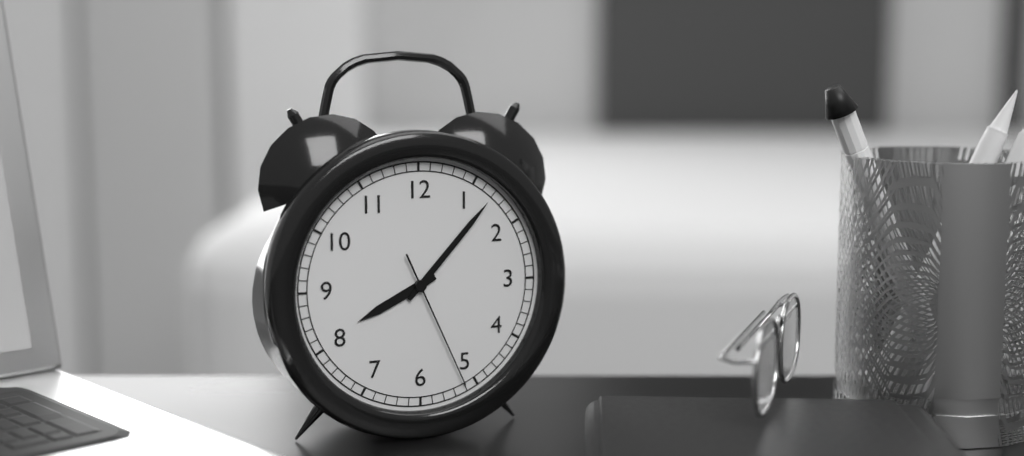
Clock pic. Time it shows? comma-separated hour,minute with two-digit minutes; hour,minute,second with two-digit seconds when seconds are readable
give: 8,07,26
